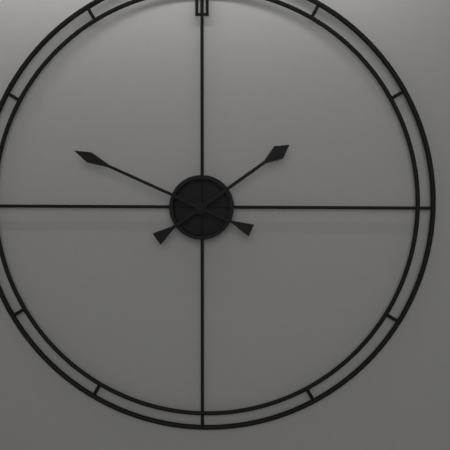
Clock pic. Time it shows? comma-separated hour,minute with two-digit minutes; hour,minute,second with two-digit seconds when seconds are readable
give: 1,49
